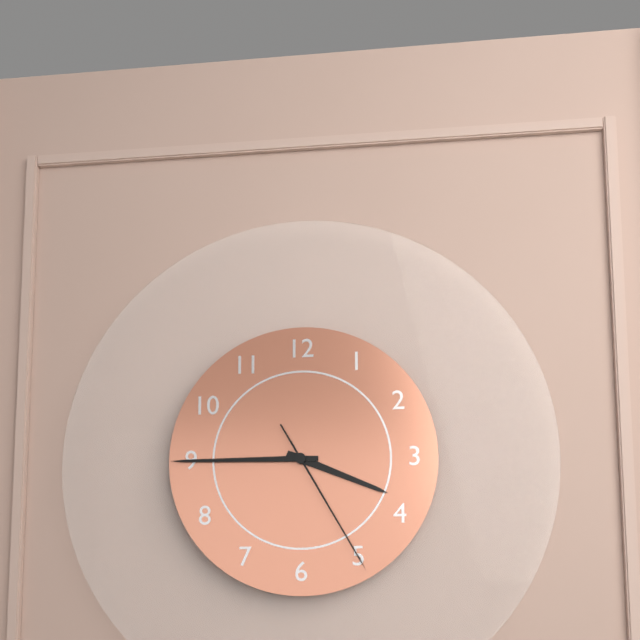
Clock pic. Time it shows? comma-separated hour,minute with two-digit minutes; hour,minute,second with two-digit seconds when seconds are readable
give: 3,45,25
